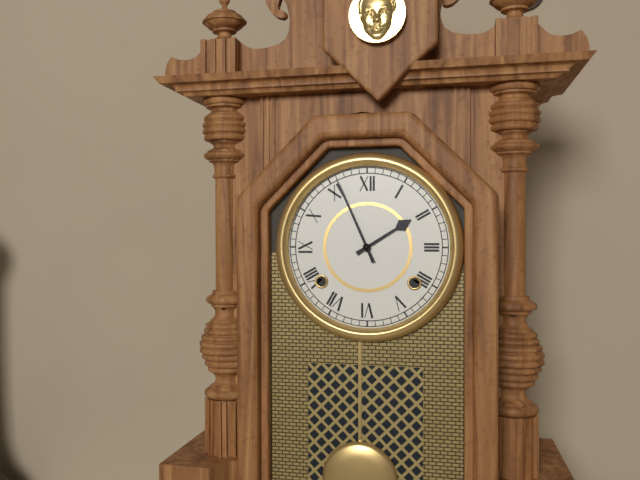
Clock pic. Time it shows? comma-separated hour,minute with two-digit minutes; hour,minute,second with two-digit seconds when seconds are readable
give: 1,56
